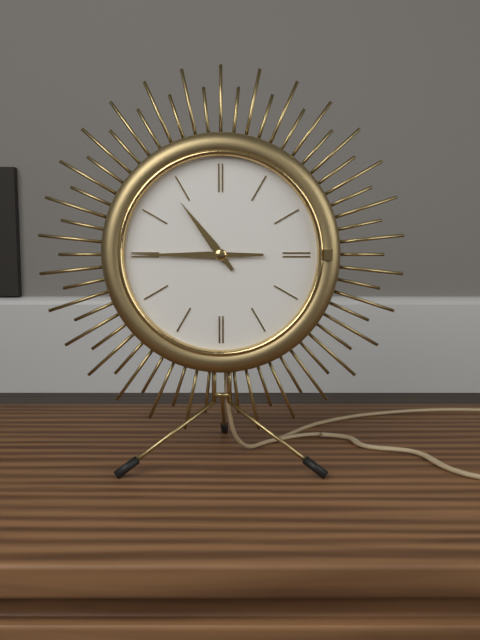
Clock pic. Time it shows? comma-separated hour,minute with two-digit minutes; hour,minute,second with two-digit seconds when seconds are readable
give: 10,45
